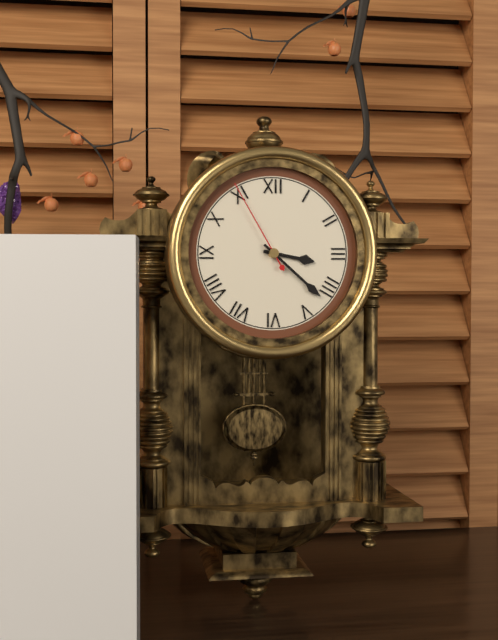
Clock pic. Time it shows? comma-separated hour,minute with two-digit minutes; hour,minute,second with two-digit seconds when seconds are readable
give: 3,22,55
